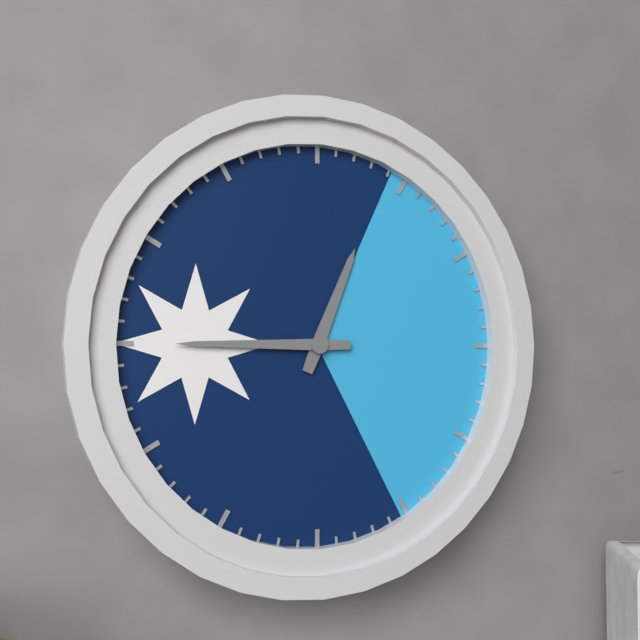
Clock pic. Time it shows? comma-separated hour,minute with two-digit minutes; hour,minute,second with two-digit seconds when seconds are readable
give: 12,45
